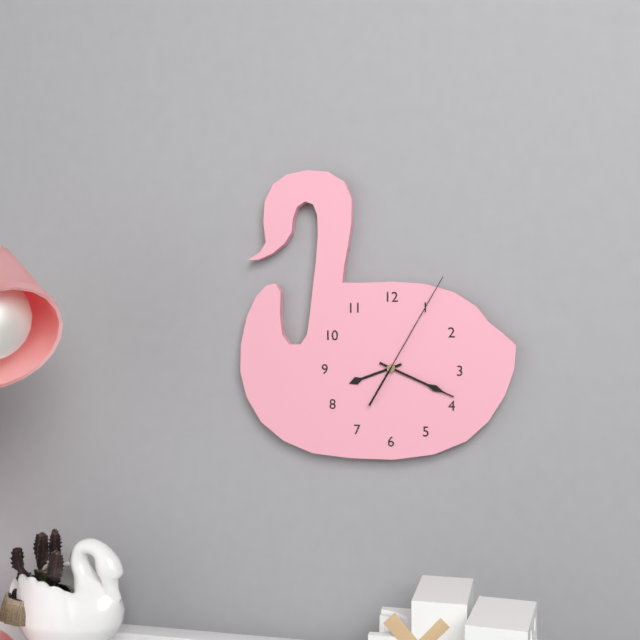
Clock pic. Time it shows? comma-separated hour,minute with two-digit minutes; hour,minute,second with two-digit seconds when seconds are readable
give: 8,19,05
